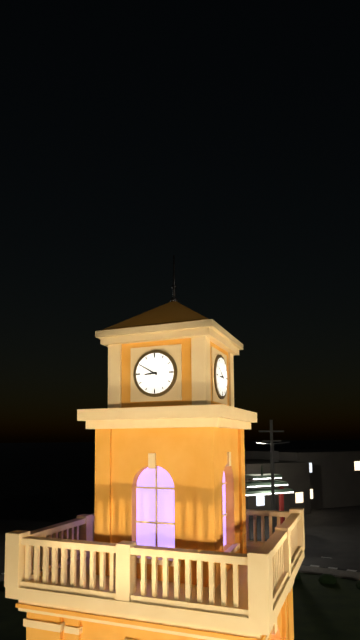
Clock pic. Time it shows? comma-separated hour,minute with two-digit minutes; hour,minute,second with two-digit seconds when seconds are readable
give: 8,50
